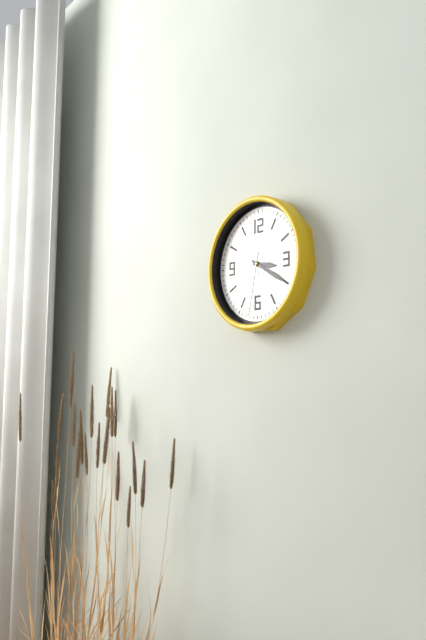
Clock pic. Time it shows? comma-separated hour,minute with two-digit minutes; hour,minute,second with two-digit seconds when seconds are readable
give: 3,20,32
